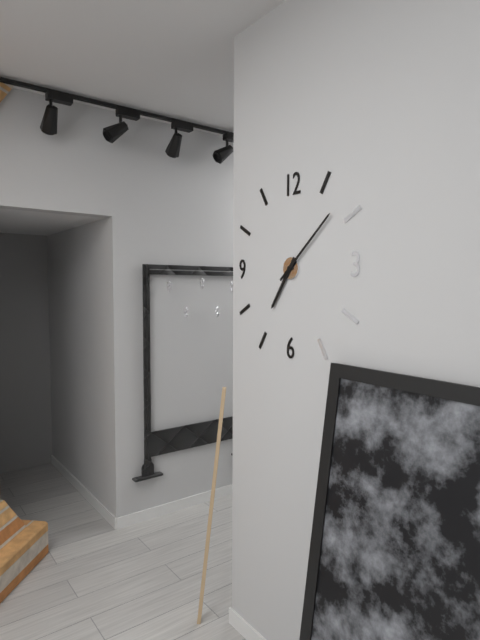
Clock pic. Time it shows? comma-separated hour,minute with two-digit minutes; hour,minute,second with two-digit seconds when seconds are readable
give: 7,08
